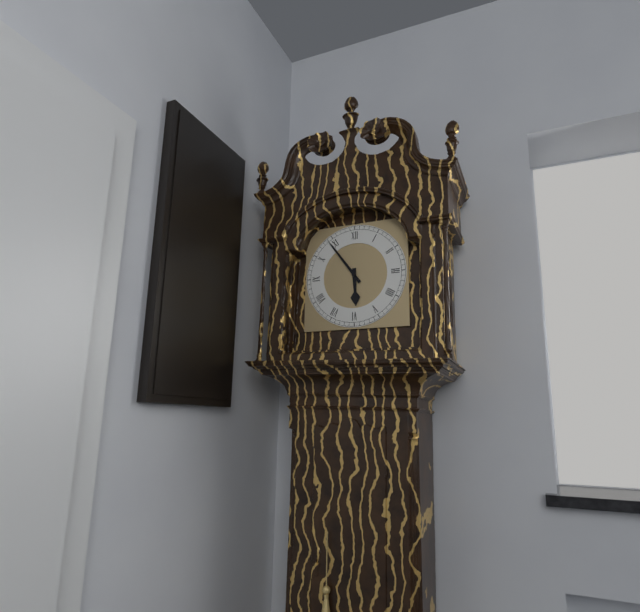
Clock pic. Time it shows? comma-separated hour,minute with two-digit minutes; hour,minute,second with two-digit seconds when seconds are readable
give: 5,54
